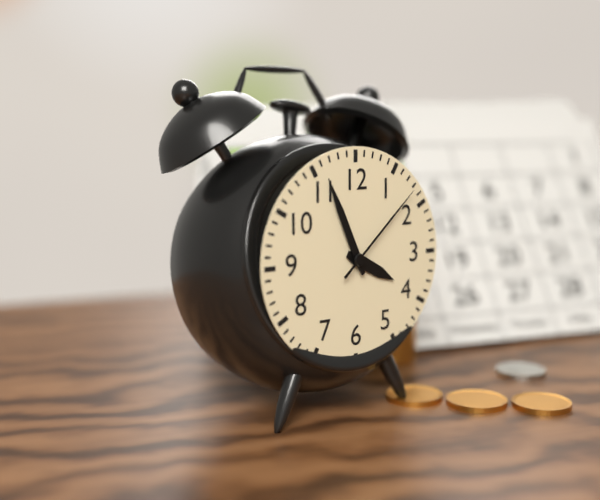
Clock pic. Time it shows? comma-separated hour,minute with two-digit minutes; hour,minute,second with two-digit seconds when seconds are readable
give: 3,56,08
